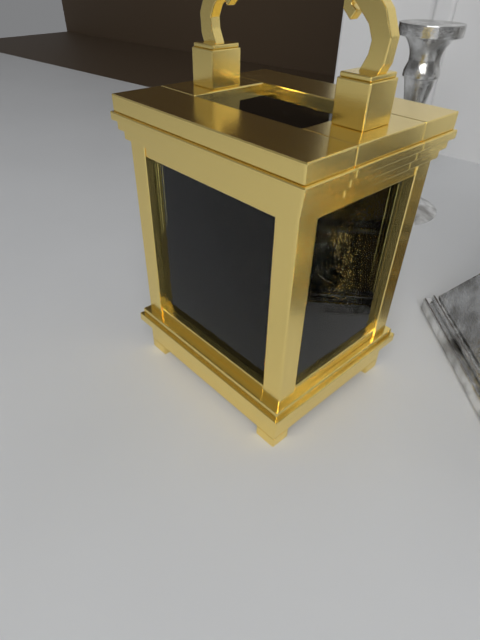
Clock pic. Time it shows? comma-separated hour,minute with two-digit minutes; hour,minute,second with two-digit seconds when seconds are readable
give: 1,23
